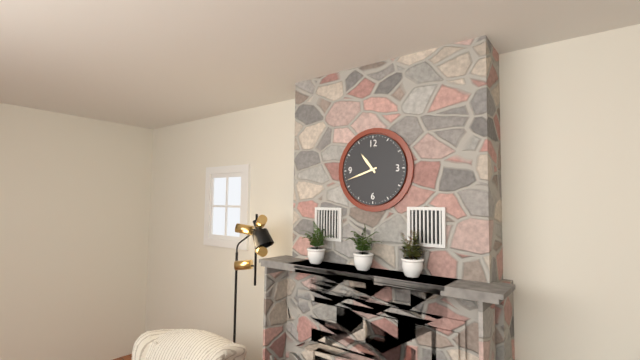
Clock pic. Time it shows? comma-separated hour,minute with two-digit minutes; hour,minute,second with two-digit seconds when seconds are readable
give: 10,42
